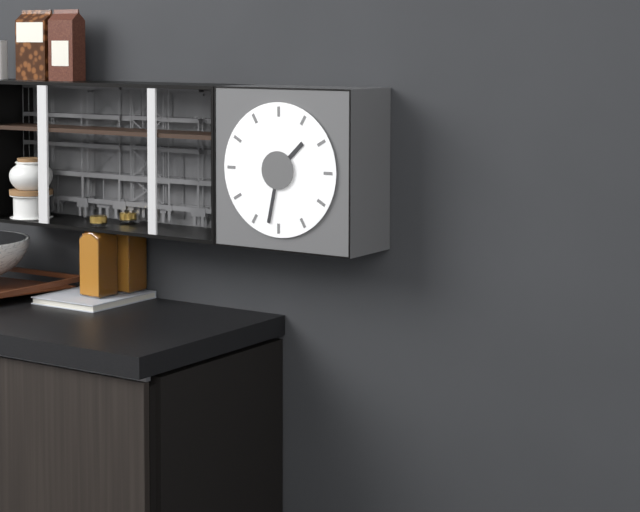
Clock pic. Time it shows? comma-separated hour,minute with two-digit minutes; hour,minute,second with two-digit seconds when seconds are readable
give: 1,32
